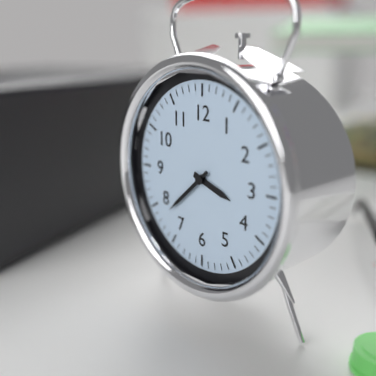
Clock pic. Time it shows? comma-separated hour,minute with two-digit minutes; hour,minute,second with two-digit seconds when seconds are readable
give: 3,38
